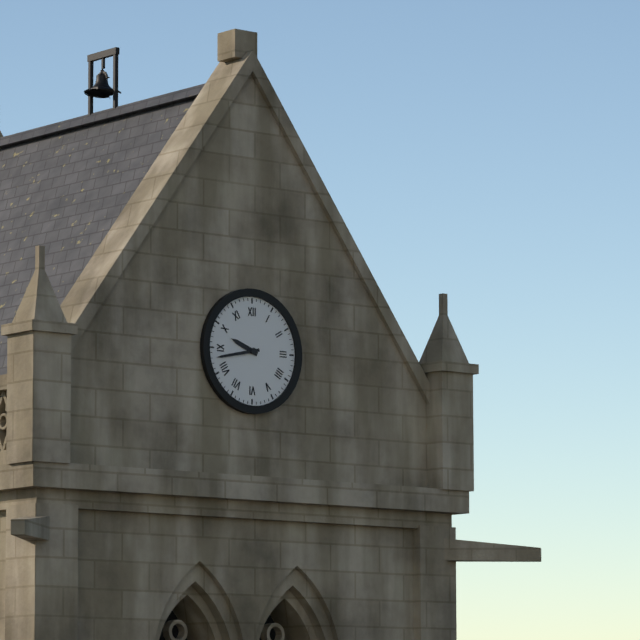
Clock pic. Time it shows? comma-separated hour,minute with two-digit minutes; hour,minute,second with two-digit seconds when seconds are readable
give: 9,43
